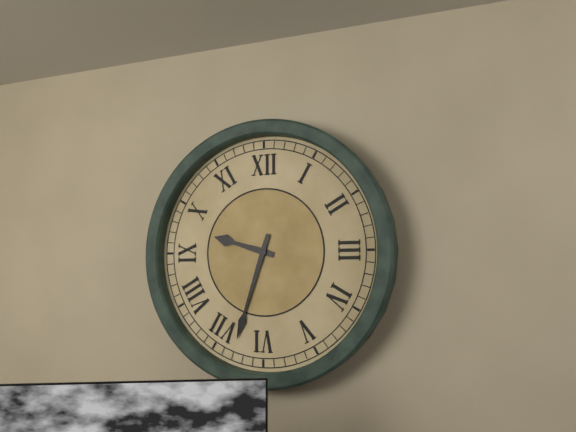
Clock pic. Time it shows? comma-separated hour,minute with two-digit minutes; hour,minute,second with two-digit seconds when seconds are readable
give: 9,33
